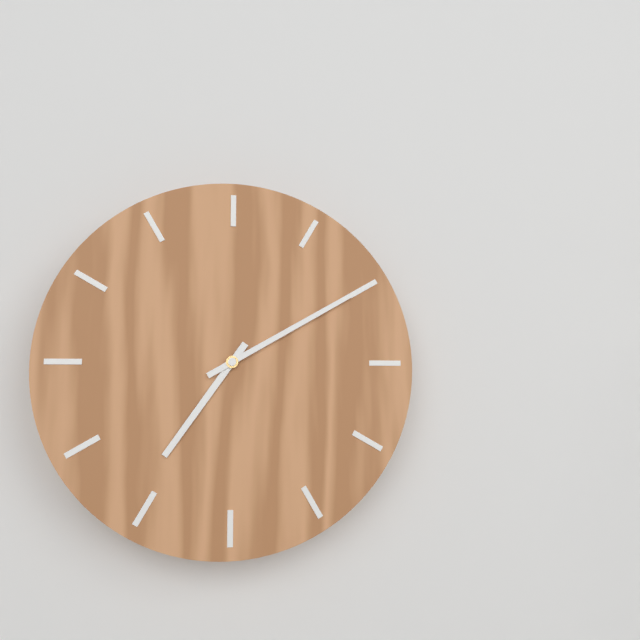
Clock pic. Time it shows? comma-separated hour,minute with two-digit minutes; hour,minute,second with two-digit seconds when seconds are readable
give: 7,10
